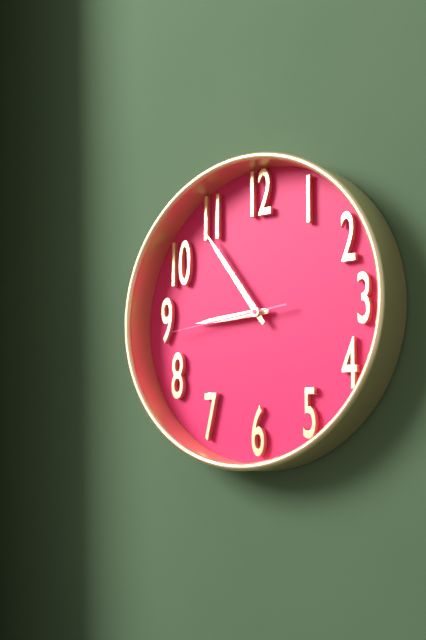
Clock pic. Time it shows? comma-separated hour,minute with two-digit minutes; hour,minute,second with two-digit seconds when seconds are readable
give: 8,54,44
